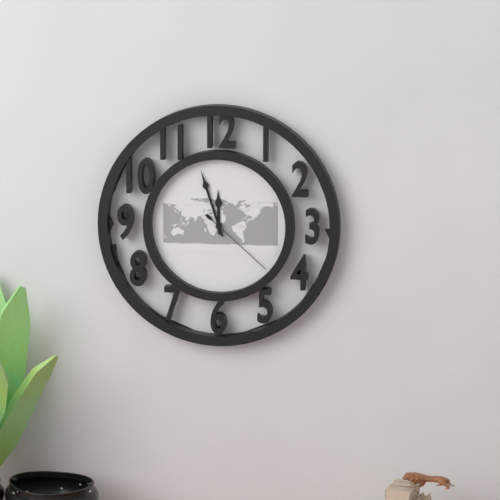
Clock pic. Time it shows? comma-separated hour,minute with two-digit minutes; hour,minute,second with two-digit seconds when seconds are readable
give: 11,57,22
